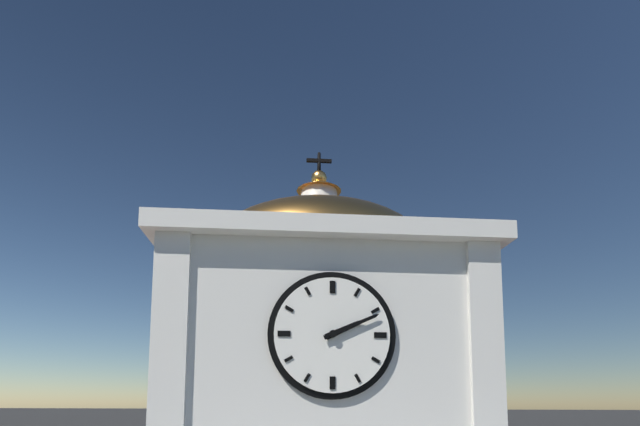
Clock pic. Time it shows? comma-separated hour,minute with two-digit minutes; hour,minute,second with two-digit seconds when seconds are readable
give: 2,11
